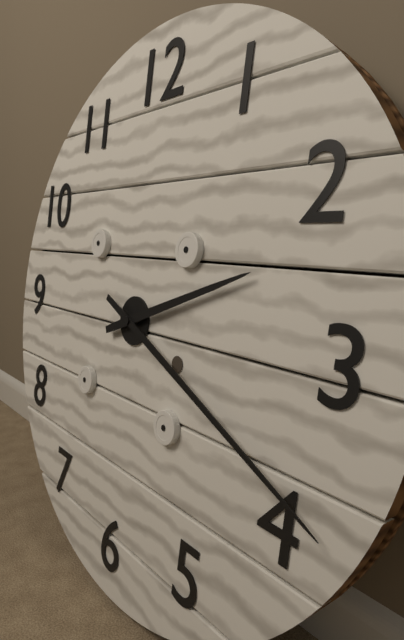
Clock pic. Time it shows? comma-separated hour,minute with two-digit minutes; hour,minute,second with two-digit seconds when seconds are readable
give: 2,19
